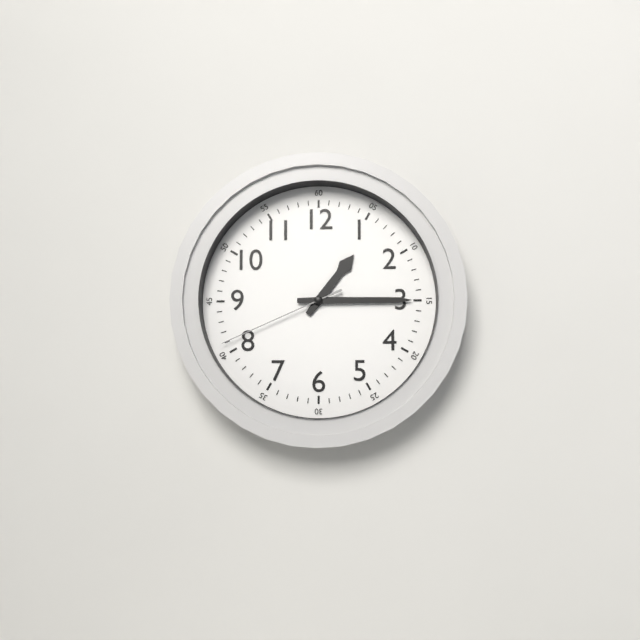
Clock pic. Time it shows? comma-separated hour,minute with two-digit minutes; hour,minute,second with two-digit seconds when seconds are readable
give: 1,15,41
